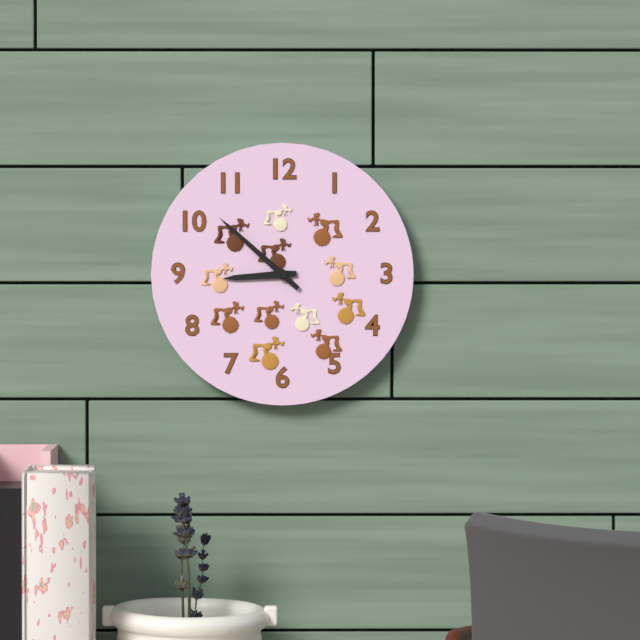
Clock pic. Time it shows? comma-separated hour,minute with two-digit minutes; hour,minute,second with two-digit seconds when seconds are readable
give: 8,52
